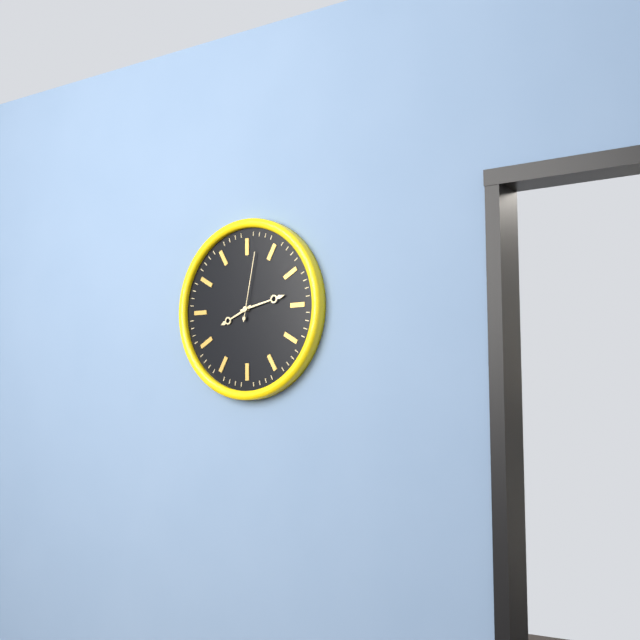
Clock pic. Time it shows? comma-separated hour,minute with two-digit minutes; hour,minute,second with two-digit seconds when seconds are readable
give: 8,13,02
